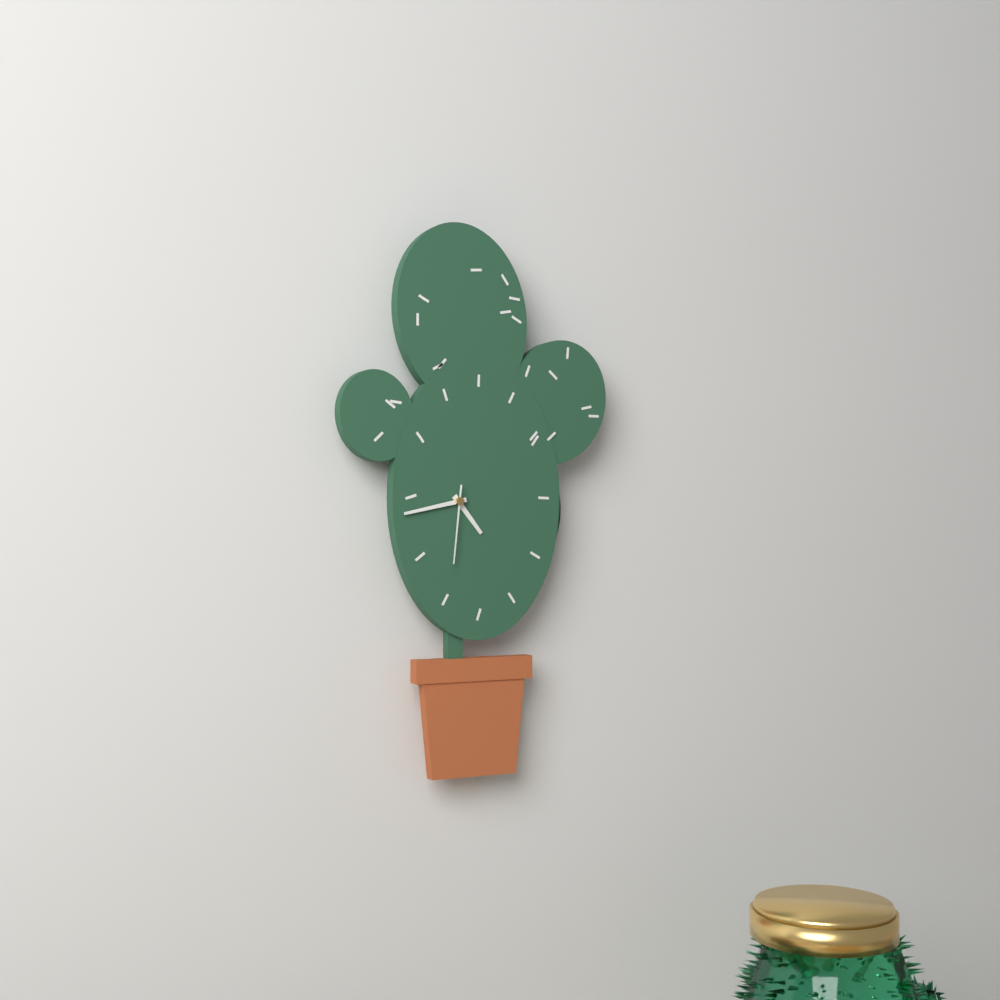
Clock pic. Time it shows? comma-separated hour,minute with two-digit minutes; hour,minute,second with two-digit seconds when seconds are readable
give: 4,43,31
